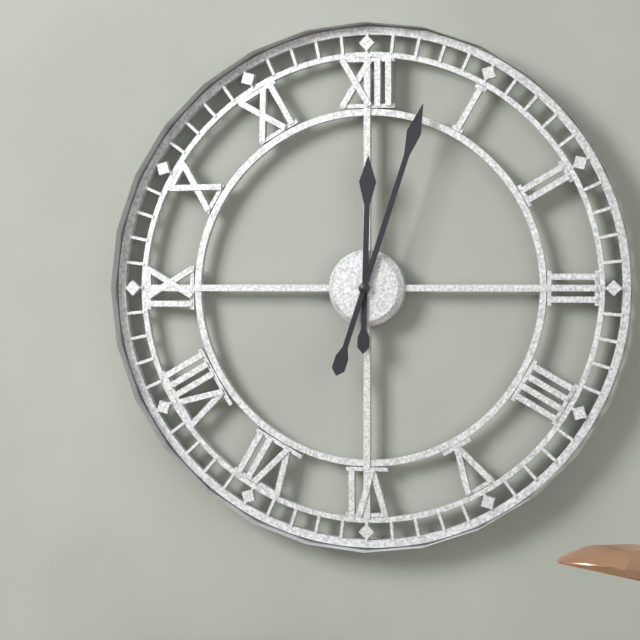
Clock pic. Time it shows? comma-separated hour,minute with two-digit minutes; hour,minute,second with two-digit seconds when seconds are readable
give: 12,03
